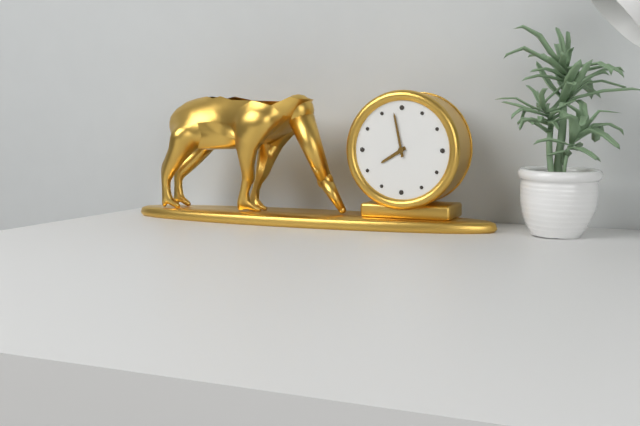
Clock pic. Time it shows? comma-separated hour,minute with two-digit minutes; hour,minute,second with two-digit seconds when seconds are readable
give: 7,58
